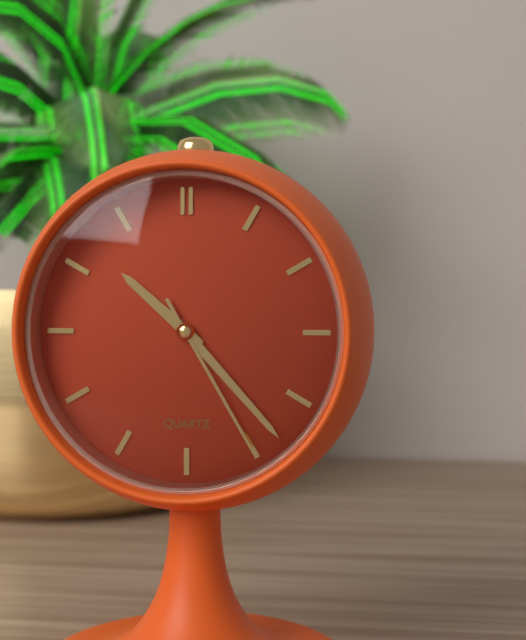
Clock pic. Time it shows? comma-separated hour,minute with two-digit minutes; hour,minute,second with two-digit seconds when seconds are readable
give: 10,23,25
